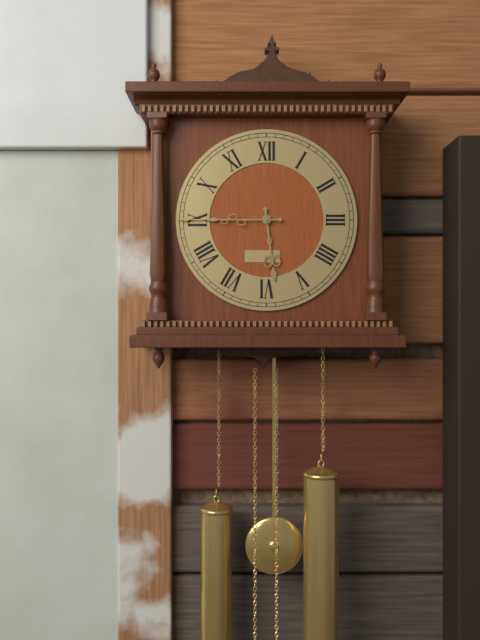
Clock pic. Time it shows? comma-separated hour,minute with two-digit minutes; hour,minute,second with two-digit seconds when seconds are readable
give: 5,45
